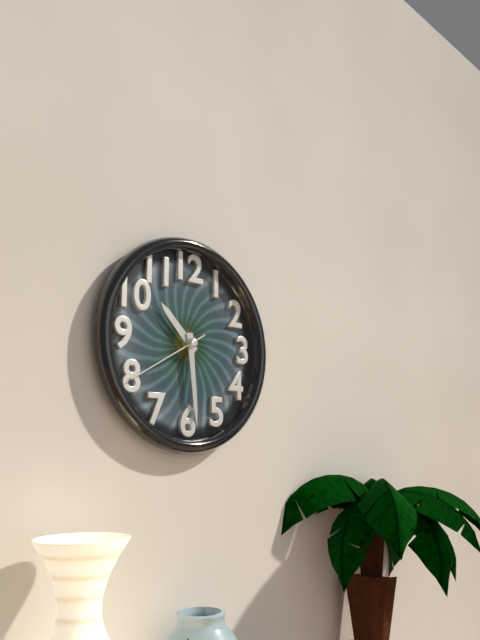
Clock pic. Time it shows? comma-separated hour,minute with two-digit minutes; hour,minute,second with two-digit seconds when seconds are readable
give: 10,29,40
